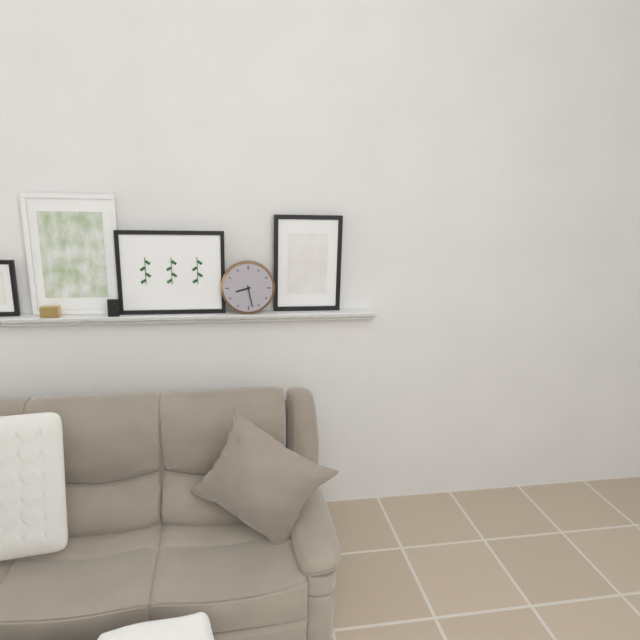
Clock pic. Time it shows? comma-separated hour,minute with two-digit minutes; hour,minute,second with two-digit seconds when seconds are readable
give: 8,28
